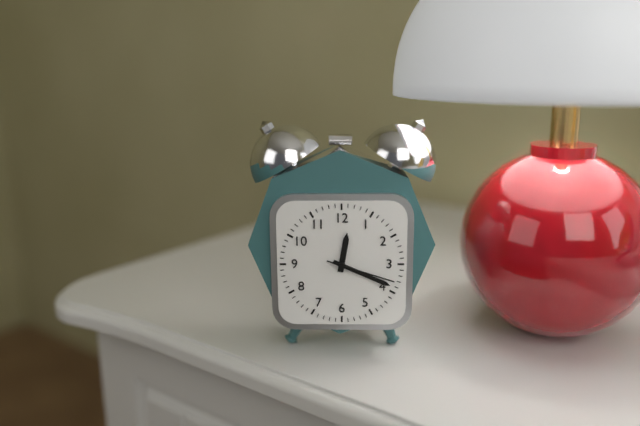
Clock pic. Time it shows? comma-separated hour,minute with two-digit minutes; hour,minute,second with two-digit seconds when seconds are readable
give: 12,19,18
